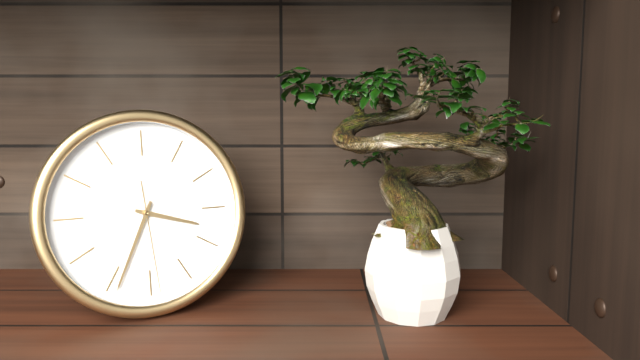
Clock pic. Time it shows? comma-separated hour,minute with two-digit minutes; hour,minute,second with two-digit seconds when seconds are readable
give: 3,34,29
